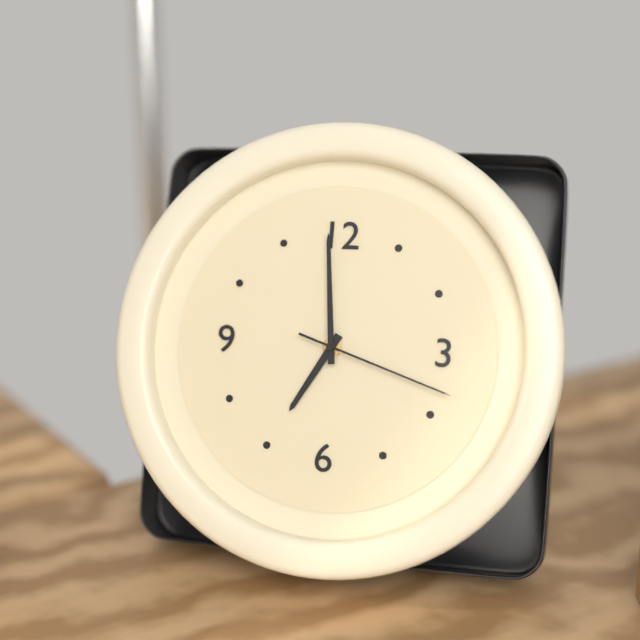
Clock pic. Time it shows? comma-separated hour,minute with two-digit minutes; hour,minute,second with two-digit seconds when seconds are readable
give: 6,59,18
